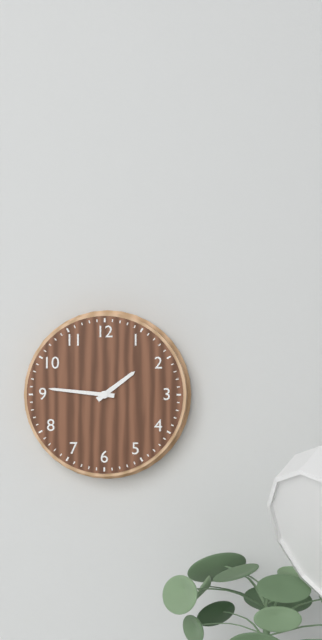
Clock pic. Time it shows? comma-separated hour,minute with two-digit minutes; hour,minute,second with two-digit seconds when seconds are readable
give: 1,46
